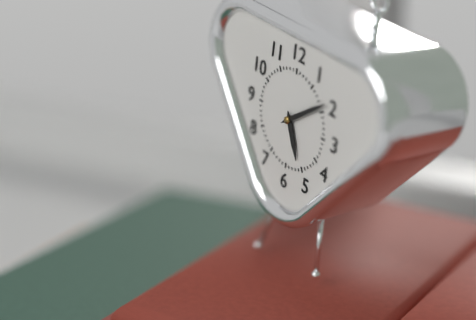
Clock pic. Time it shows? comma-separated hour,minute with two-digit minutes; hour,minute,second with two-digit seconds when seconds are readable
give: 5,09
